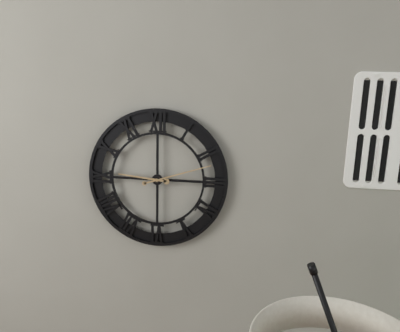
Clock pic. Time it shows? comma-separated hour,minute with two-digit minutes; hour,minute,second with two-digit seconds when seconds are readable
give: 9,12
